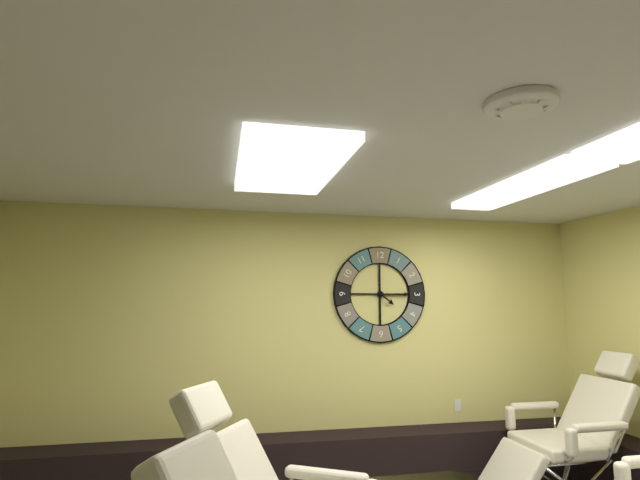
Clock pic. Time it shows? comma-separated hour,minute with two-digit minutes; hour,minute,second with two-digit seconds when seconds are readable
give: 4,15
